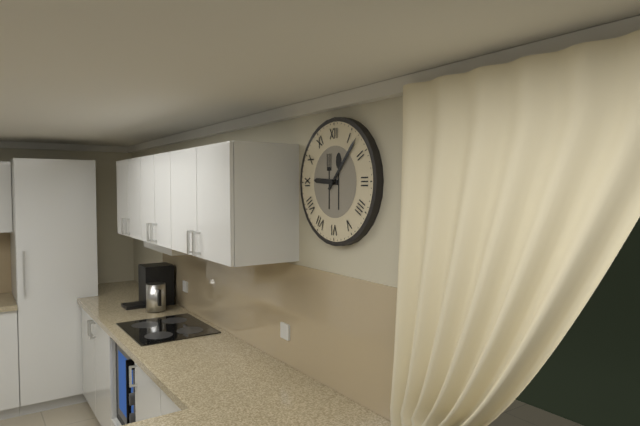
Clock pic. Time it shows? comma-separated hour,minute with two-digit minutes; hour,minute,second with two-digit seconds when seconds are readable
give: 9,07
